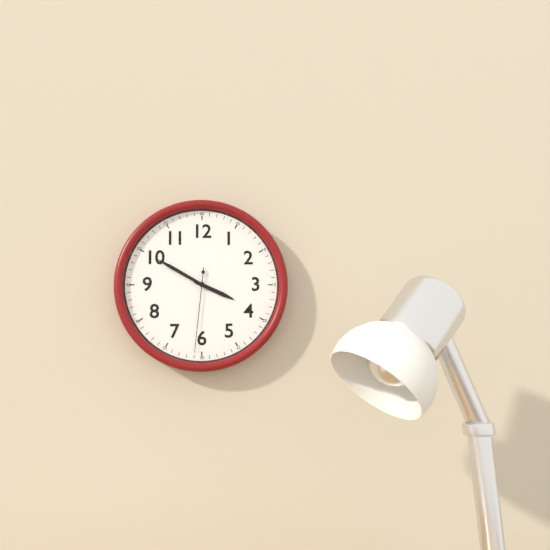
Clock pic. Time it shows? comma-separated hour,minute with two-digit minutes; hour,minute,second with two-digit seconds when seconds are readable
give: 3,50,31
